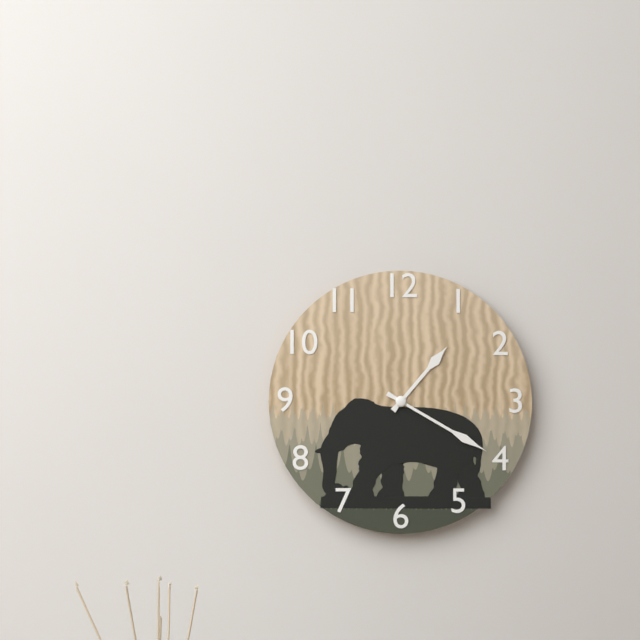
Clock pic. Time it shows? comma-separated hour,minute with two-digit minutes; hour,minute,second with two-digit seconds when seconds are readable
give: 1,20
